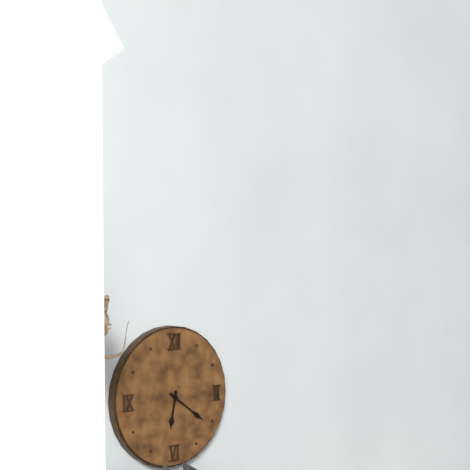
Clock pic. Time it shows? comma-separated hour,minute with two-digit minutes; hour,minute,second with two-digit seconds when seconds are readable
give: 6,21
